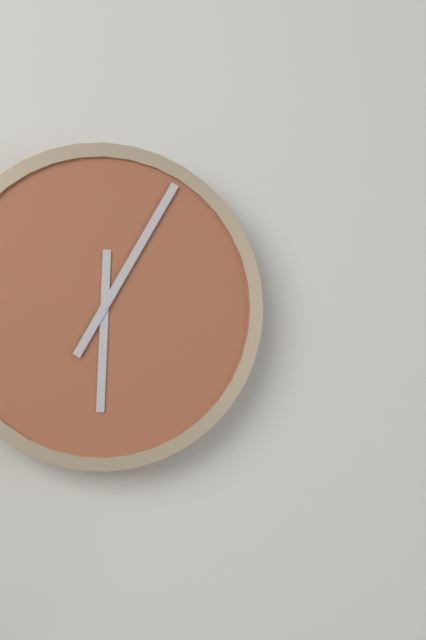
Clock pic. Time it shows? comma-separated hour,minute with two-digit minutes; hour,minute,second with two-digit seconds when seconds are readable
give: 6,05
